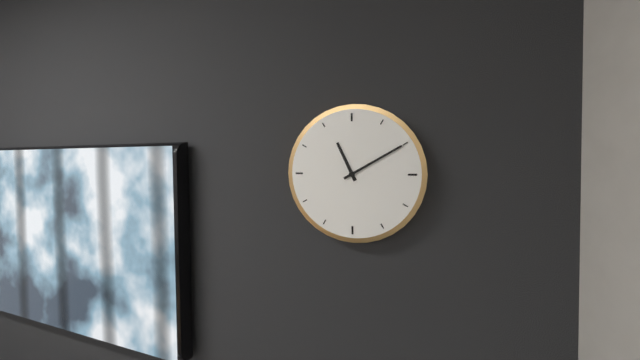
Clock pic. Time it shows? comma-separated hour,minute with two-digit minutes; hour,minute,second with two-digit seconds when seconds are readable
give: 11,10
